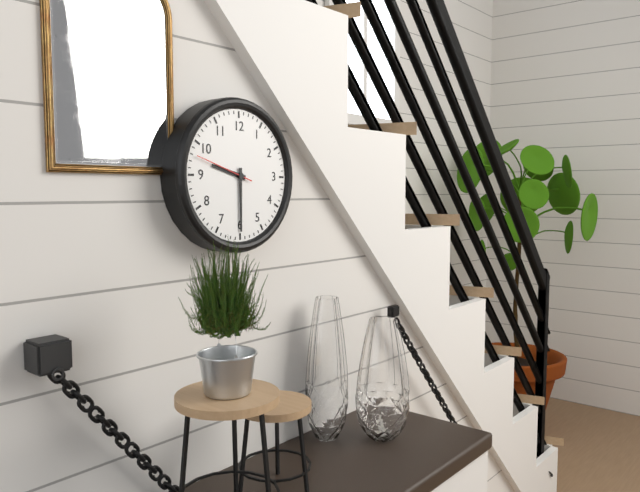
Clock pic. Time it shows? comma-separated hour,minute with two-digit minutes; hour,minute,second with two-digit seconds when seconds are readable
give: 9,30
